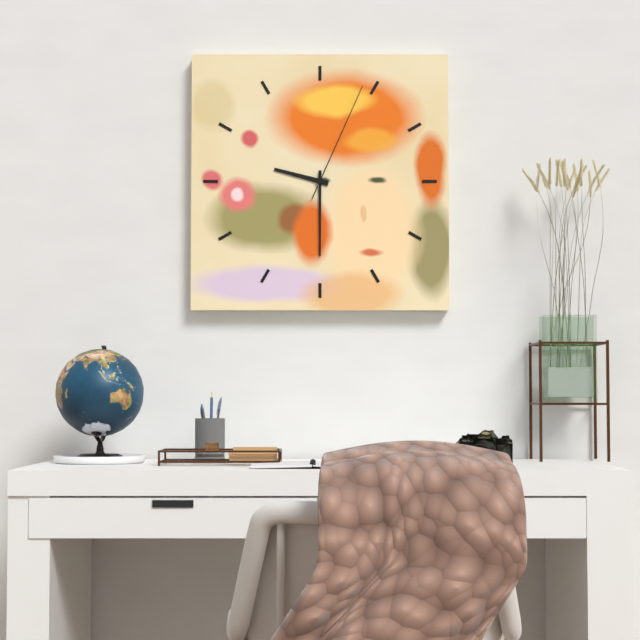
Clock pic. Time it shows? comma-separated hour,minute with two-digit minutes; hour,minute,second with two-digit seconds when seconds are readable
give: 9,30,04
